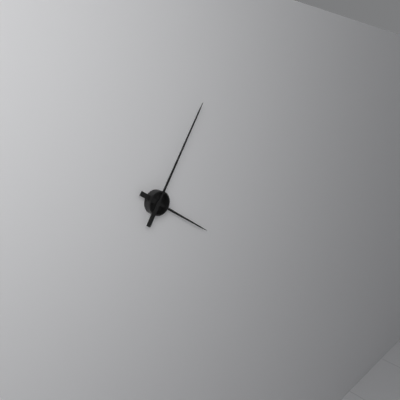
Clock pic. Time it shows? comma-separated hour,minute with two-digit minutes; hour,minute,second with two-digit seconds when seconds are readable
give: 4,05
